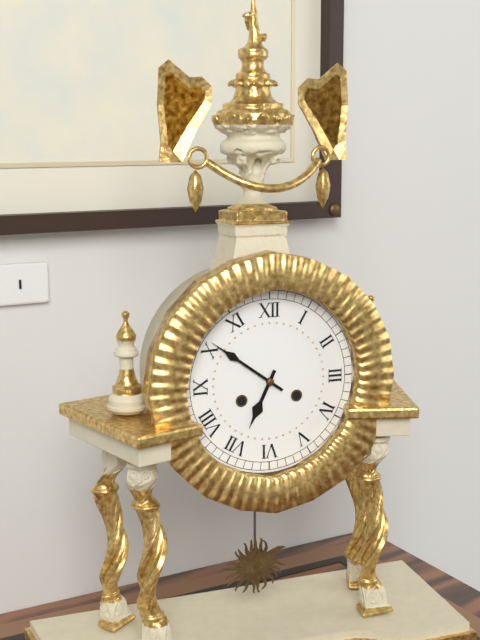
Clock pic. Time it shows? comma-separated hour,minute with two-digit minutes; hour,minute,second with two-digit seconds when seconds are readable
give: 6,51
